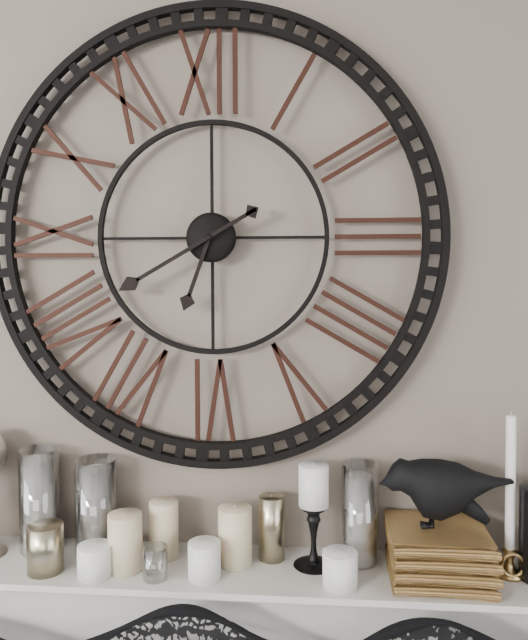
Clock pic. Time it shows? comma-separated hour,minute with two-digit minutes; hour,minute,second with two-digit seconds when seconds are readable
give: 6,40
